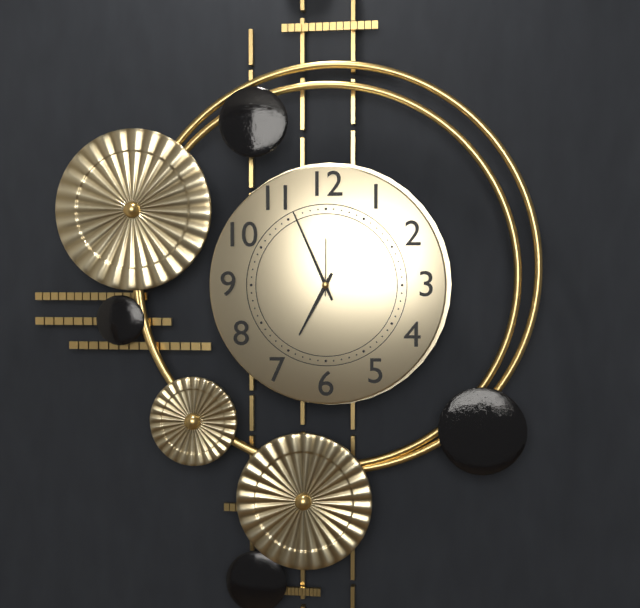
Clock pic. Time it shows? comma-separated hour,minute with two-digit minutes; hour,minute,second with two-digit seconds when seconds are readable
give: 6,56,00
